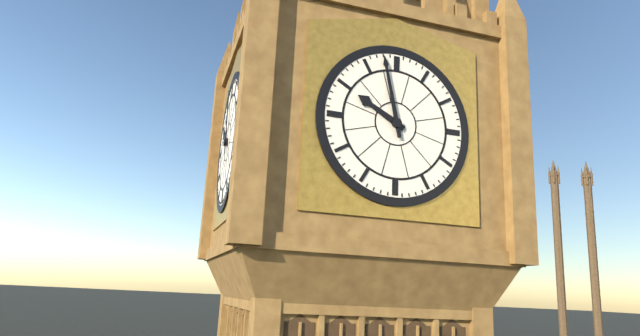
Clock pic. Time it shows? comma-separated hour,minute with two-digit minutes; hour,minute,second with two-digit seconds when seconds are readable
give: 9,58
